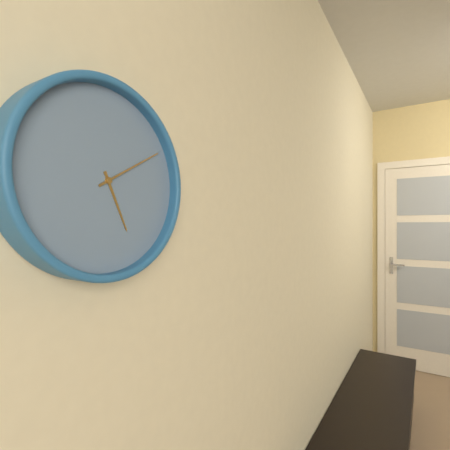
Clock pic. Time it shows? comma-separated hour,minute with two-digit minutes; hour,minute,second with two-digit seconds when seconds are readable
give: 5,10
